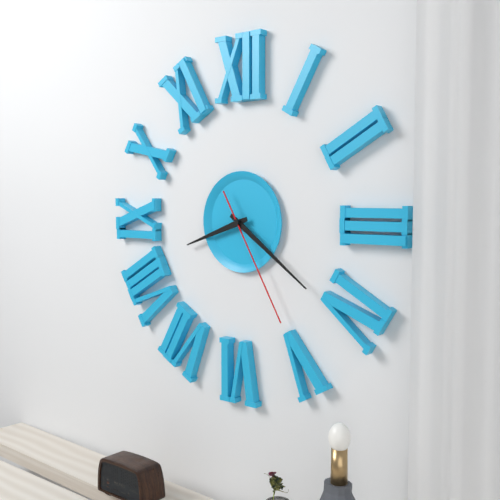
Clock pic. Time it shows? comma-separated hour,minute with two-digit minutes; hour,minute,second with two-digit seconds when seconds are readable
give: 8,21,25
